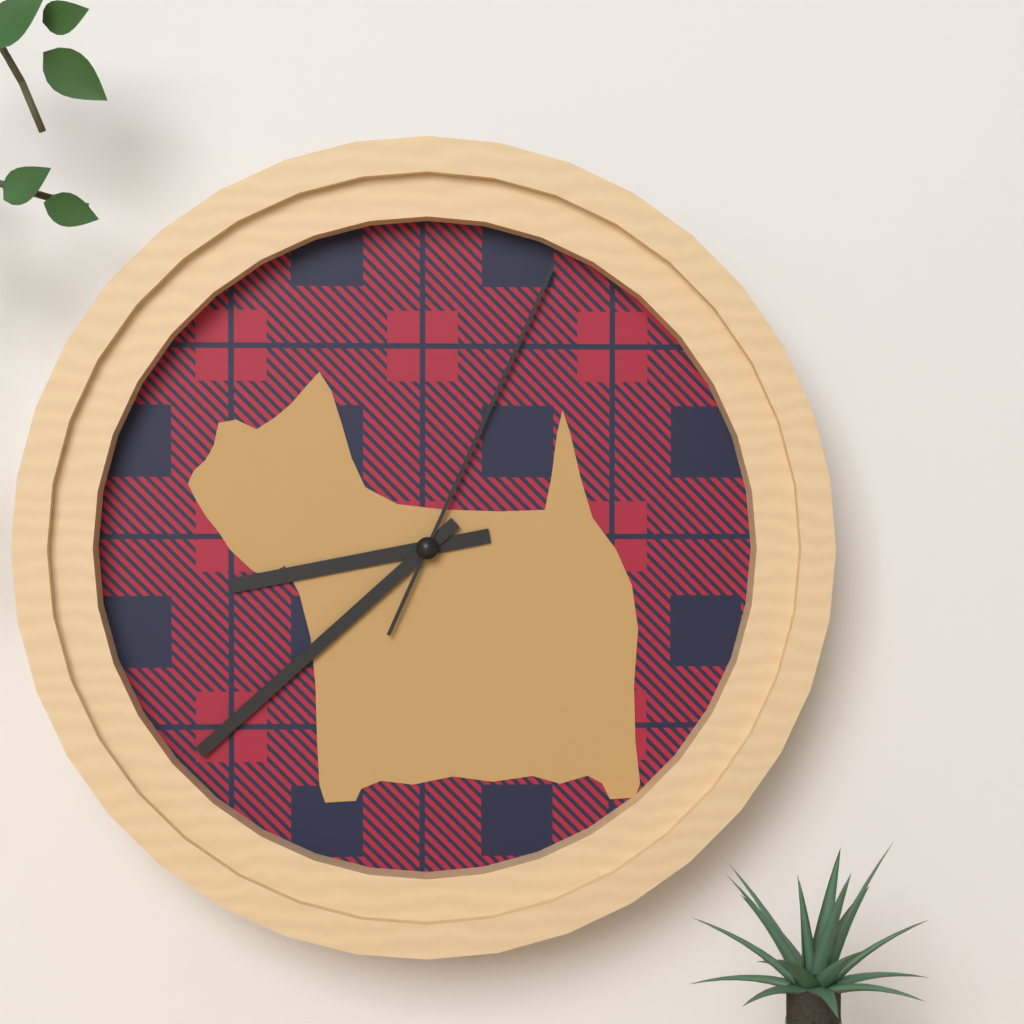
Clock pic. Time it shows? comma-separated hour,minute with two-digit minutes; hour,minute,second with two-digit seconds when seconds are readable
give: 8,38,04
